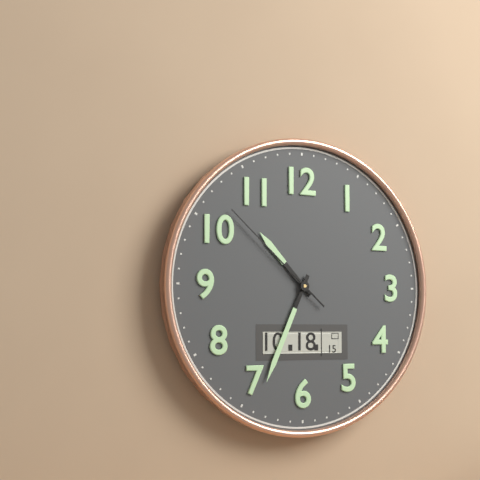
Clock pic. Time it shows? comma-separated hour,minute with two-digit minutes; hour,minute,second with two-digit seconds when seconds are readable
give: 10,34,52
